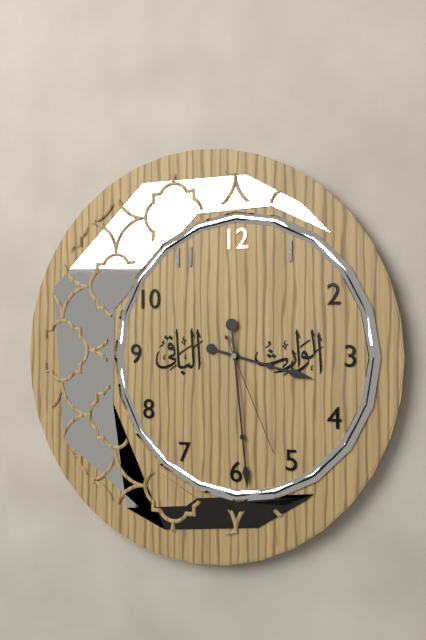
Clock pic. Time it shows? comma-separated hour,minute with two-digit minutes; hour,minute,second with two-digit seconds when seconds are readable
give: 3,29,26
